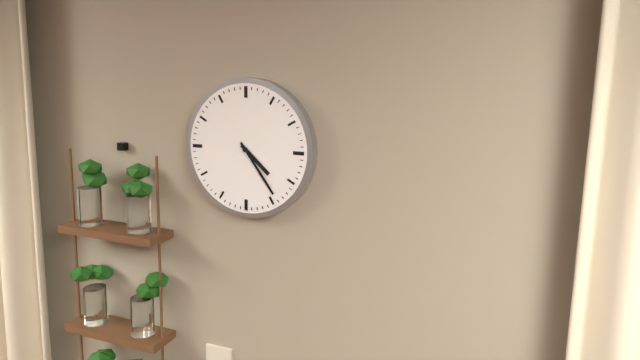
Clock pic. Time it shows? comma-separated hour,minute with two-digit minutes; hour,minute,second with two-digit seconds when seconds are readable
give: 4,24
